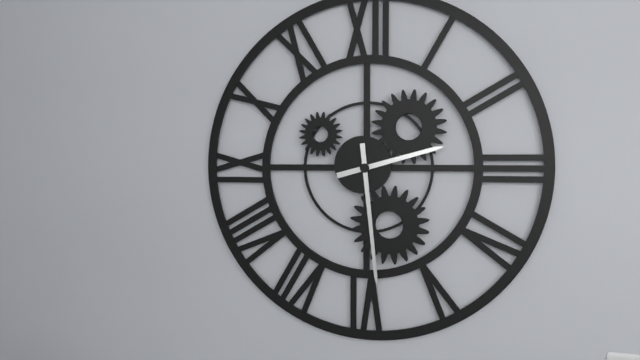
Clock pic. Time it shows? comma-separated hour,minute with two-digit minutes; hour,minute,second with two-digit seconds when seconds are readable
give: 2,29
